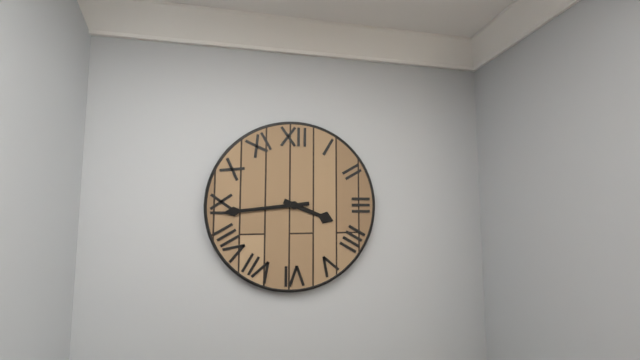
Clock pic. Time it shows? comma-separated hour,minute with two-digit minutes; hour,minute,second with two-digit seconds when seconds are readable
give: 3,44
